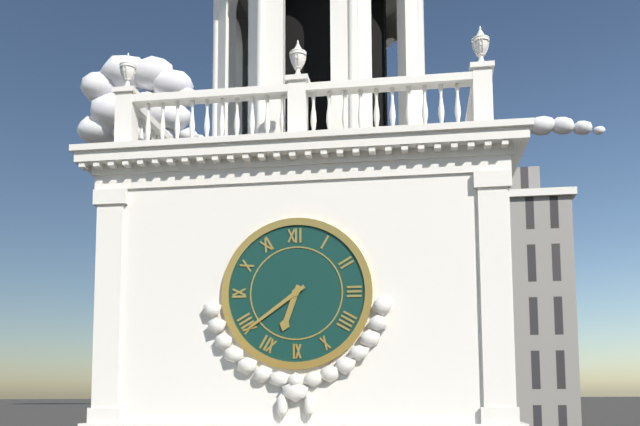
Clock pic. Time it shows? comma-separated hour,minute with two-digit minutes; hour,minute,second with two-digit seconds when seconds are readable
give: 6,39
